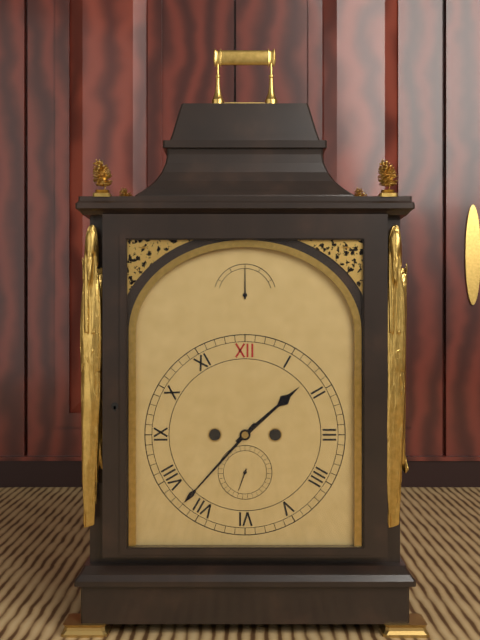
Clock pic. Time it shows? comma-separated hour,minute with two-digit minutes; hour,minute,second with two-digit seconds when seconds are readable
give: 1,37
